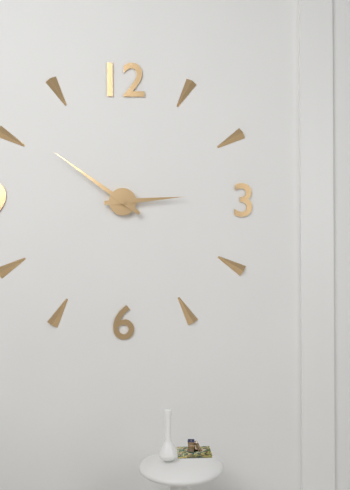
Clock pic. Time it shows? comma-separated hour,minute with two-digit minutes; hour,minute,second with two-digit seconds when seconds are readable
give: 2,51
